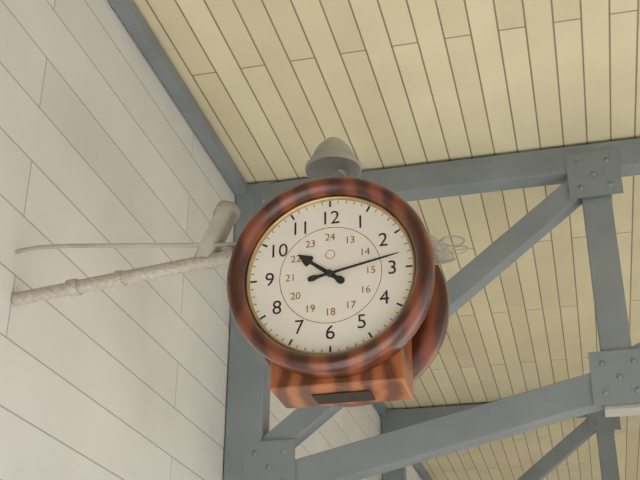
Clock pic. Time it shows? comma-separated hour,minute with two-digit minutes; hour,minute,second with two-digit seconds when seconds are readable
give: 10,13
